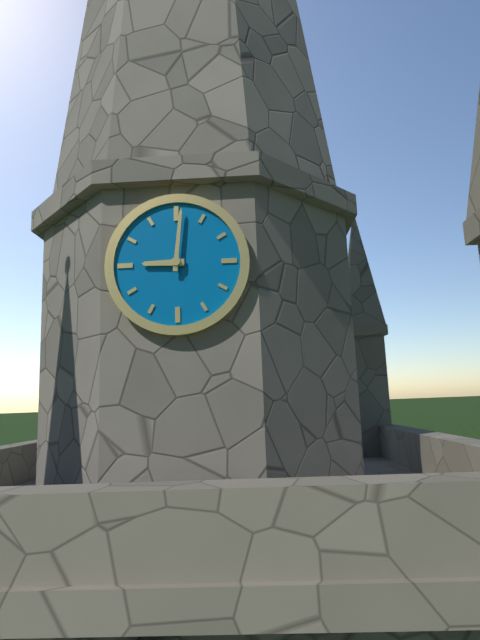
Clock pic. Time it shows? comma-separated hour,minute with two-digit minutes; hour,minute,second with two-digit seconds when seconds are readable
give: 9,01
